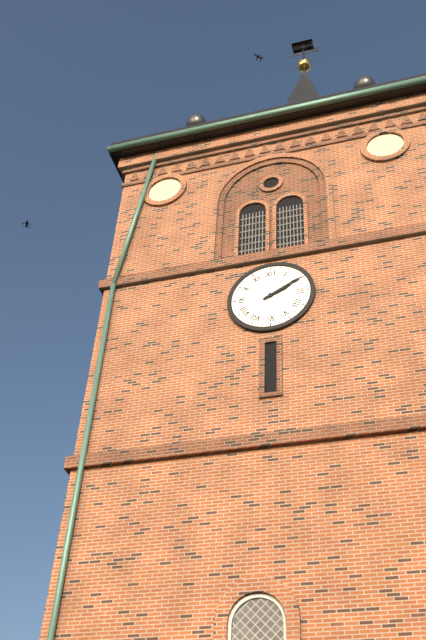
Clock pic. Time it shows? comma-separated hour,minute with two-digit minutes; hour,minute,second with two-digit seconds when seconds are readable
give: 2,10
